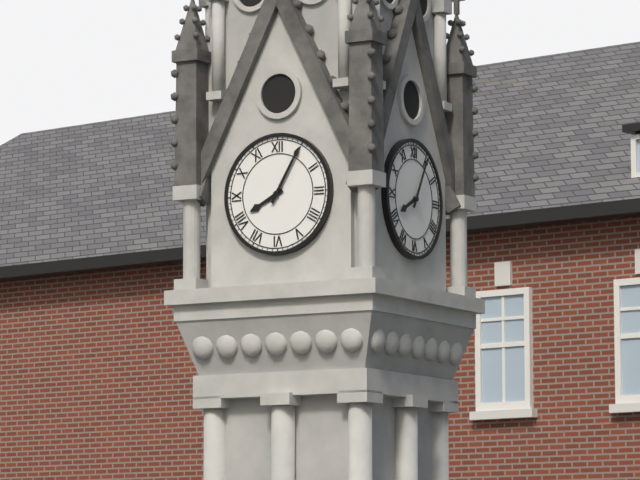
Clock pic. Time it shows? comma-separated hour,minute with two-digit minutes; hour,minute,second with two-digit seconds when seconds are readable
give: 8,05
